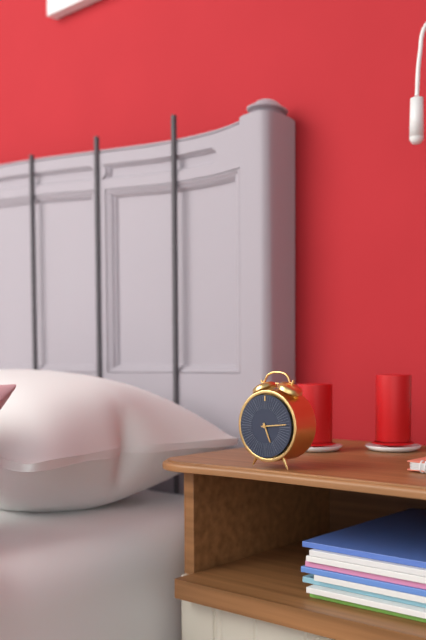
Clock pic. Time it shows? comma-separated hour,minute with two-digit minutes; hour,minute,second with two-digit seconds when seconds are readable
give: 5,14
